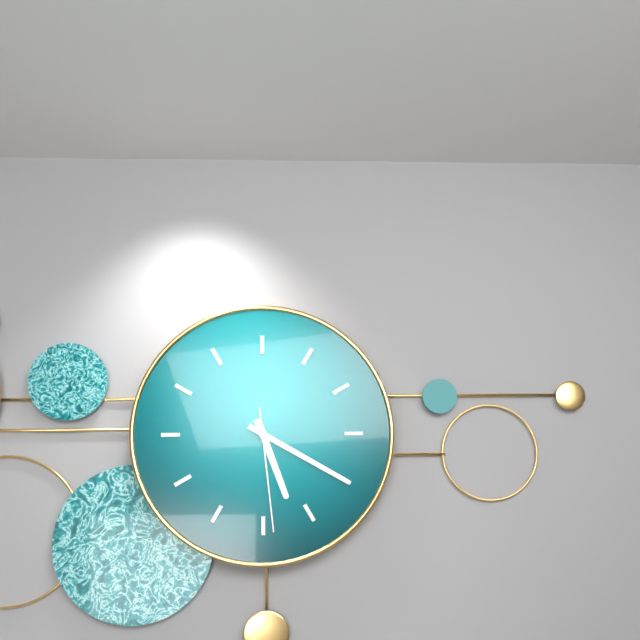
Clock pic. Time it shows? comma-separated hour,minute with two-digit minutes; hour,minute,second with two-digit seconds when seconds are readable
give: 5,20,29
